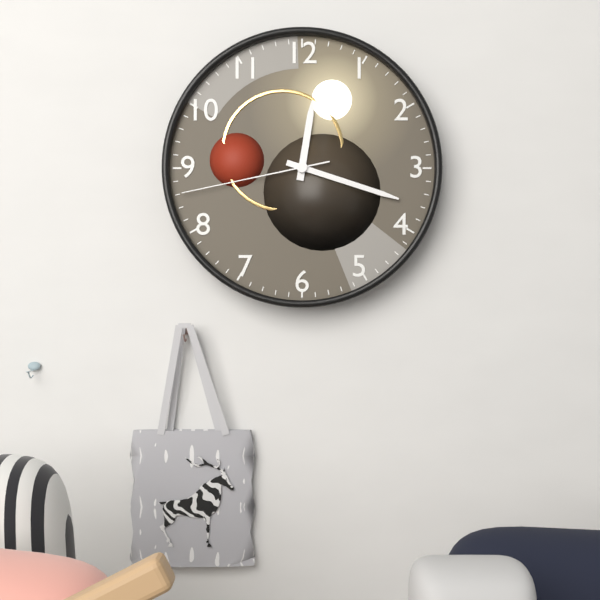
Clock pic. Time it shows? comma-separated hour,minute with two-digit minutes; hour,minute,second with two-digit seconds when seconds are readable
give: 12,18,43
